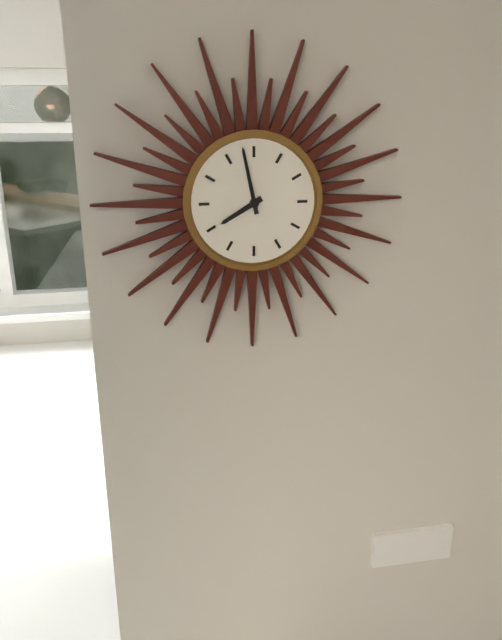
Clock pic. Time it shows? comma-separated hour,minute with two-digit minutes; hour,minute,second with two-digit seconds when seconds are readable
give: 7,58
